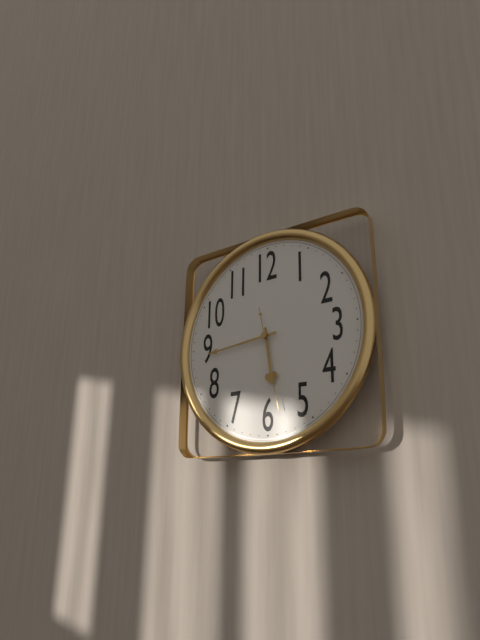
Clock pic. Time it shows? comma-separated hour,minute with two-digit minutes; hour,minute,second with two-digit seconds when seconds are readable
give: 5,44,28
